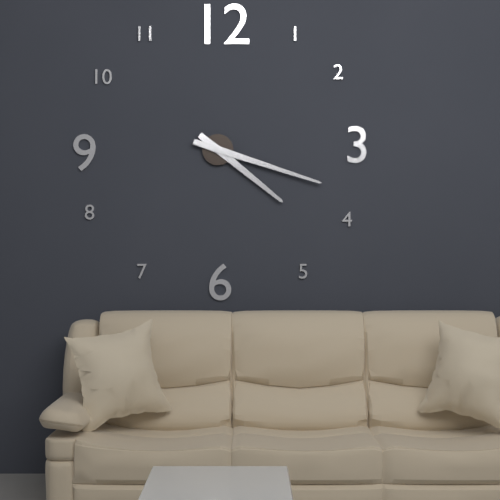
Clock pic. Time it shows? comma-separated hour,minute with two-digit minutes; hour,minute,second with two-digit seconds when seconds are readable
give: 4,18
